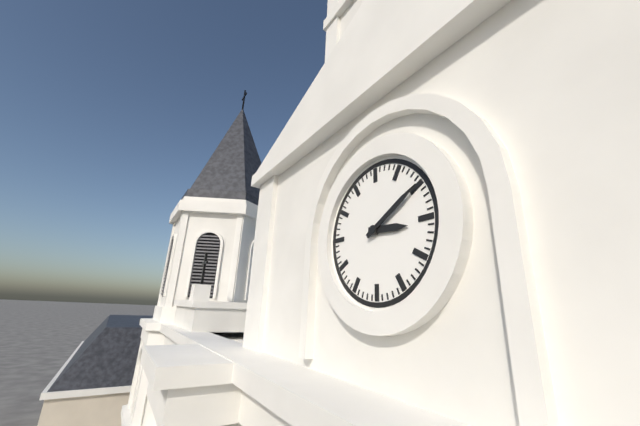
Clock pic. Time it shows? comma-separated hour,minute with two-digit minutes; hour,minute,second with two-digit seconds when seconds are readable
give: 3,10
